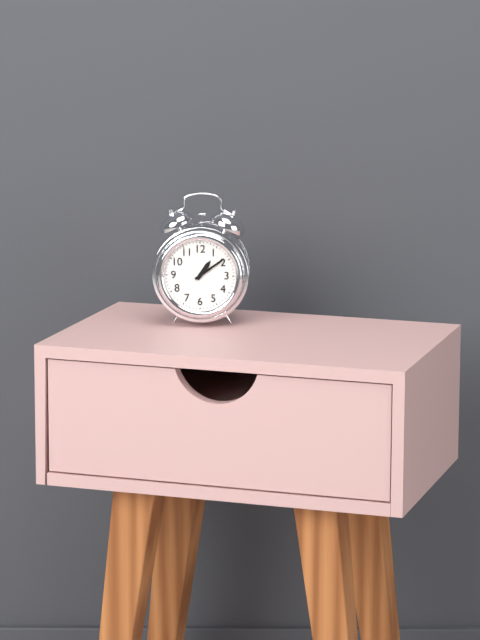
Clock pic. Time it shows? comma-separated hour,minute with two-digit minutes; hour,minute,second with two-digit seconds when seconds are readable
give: 1,09
